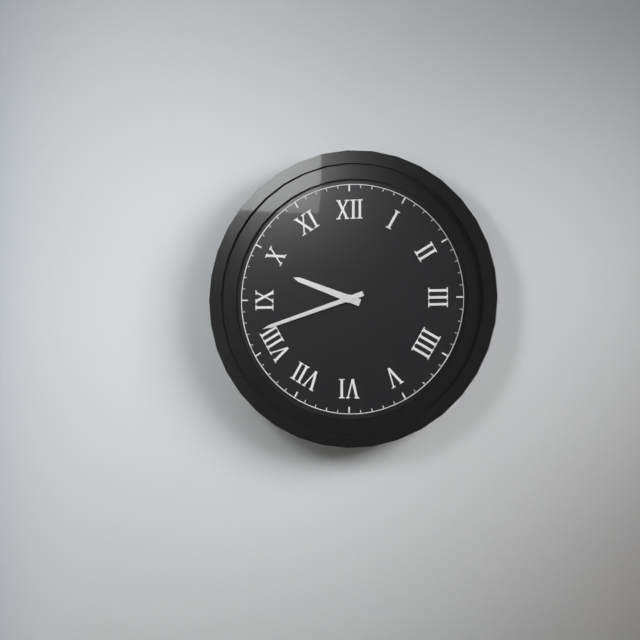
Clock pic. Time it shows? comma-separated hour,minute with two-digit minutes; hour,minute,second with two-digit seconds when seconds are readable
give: 9,42
